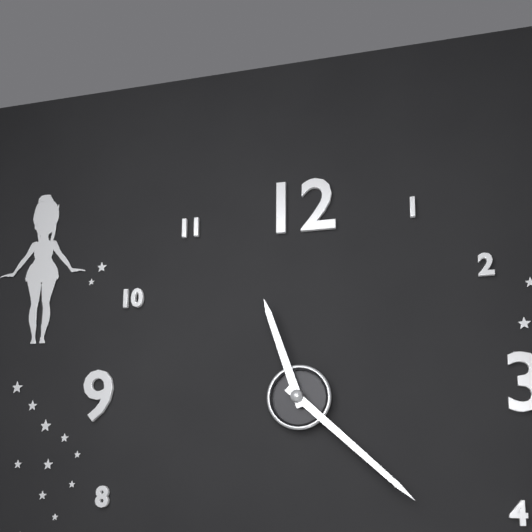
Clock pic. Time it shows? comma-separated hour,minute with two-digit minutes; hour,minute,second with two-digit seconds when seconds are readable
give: 11,22
